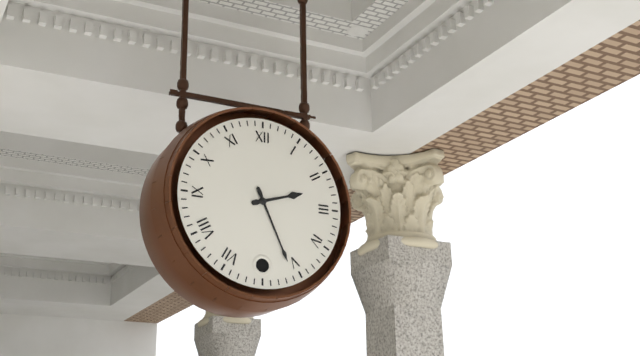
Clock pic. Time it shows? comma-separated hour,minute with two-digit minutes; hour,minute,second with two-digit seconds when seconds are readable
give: 2,26
